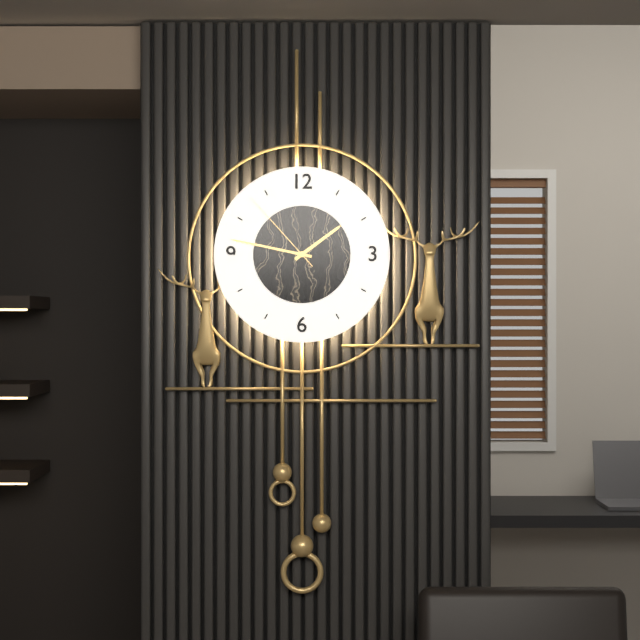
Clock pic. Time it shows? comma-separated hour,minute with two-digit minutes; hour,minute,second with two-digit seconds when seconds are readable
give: 1,47,53
